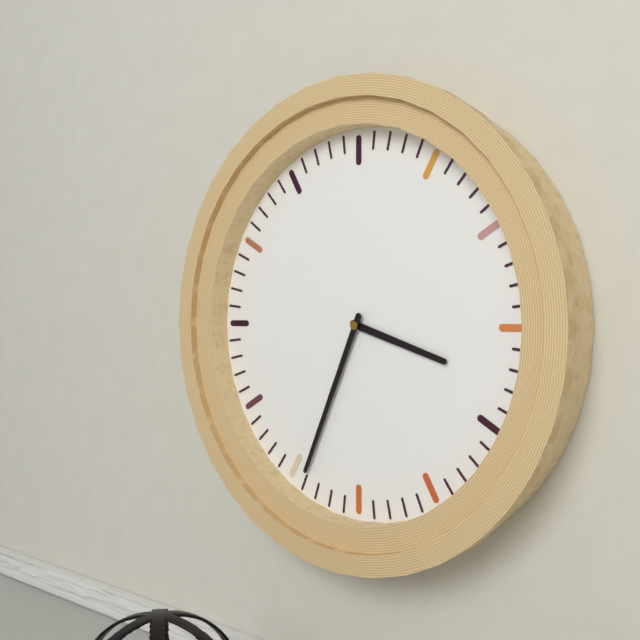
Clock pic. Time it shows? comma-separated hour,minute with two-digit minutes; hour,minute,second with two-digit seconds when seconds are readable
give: 3,34
